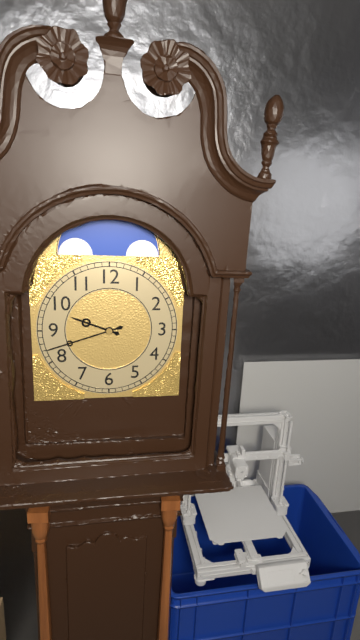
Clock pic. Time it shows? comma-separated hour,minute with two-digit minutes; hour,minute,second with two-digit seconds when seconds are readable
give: 9,42
